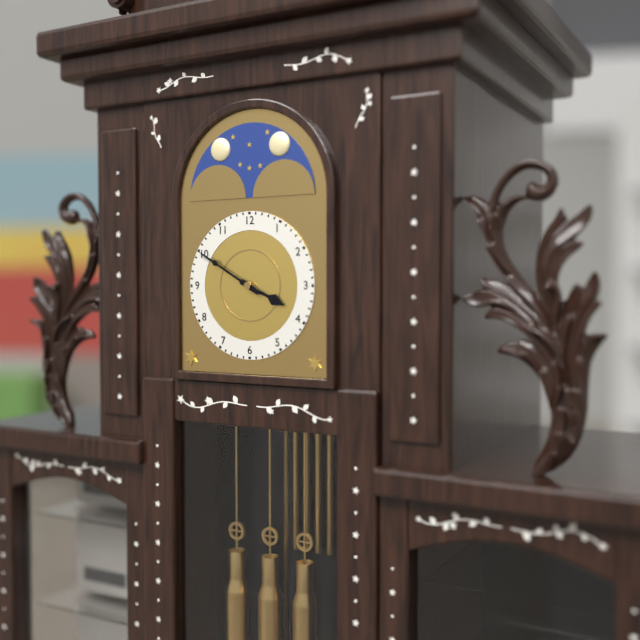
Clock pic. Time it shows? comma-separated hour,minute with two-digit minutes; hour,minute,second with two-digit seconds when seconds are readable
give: 3,50
